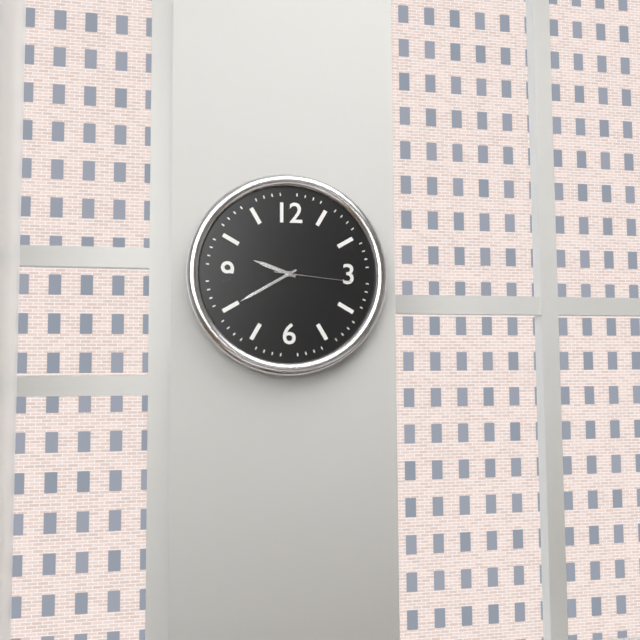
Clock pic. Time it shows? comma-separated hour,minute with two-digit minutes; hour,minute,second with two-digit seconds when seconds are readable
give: 9,40,16
